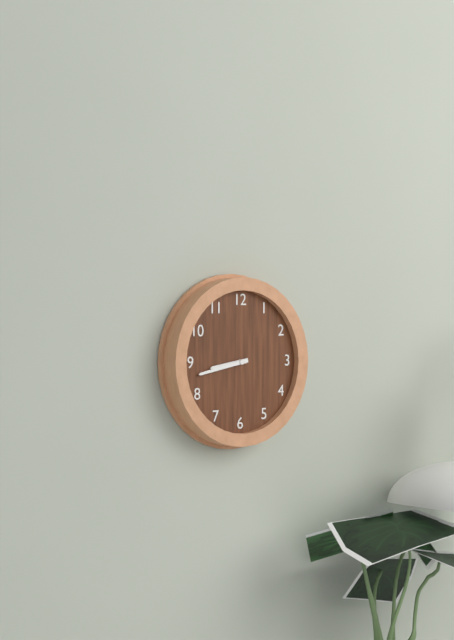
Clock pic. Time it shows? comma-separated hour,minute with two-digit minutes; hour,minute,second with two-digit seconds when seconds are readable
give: 8,43
